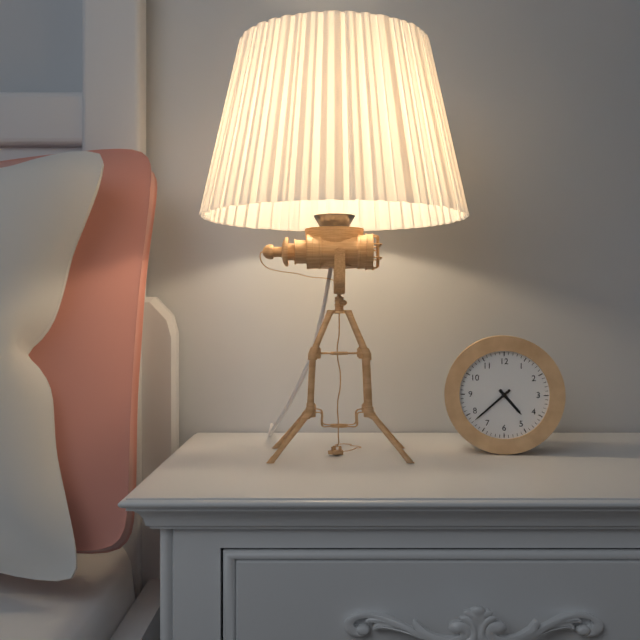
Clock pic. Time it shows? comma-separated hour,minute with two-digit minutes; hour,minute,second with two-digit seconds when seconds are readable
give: 4,38
